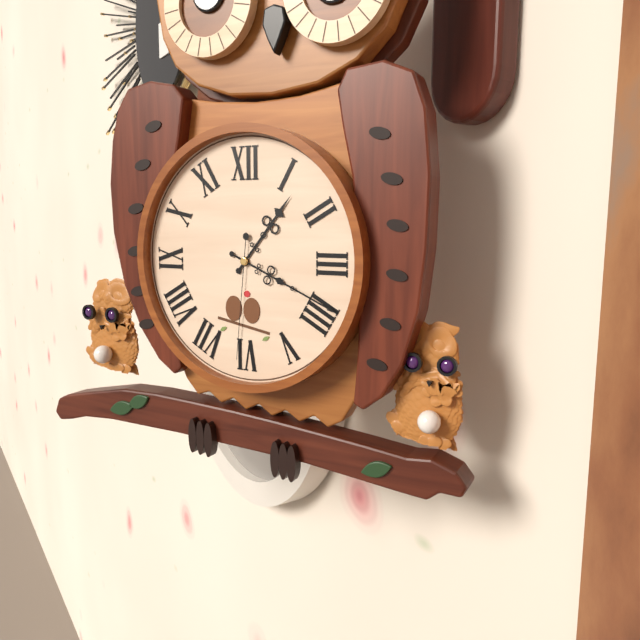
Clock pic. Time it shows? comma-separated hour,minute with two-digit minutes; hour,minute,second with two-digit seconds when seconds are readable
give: 1,19,31
